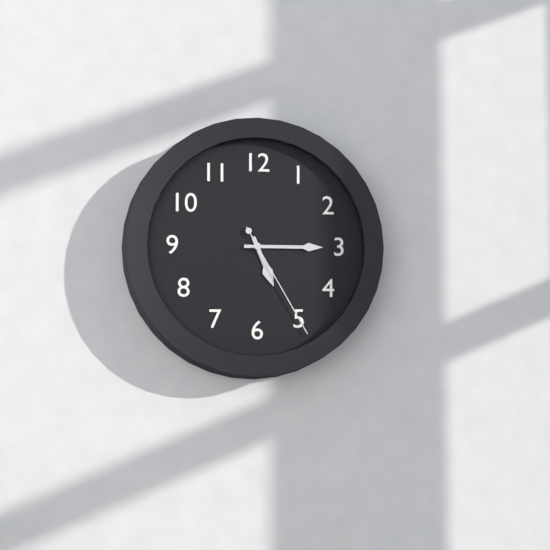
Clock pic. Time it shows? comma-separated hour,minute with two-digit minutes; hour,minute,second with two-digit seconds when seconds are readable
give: 5,15,25
